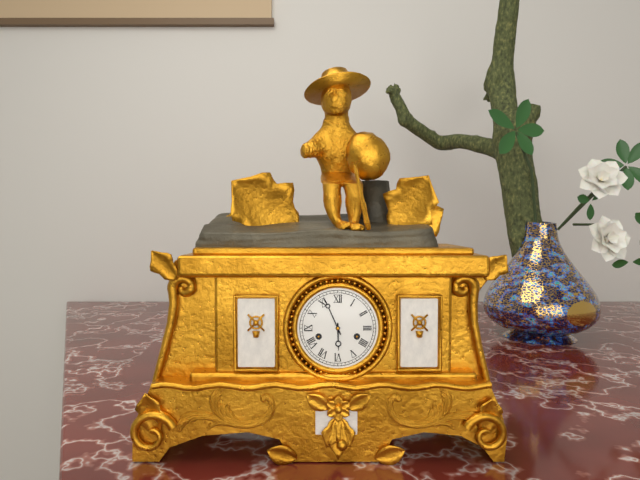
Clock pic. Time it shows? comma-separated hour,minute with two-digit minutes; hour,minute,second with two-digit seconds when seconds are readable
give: 5,56
